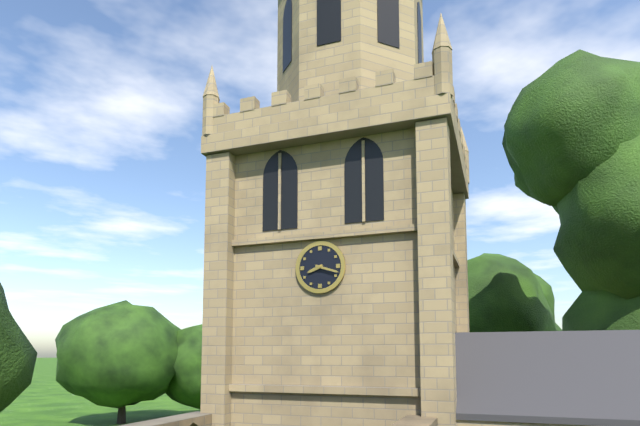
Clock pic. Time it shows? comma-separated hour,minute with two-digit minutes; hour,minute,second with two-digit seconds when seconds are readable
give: 8,18
